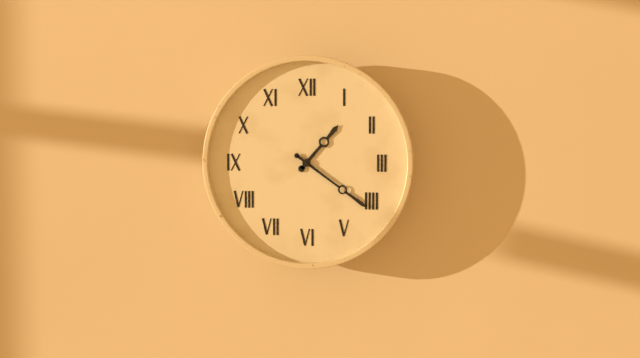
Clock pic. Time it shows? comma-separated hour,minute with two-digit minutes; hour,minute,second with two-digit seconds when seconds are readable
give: 1,21
